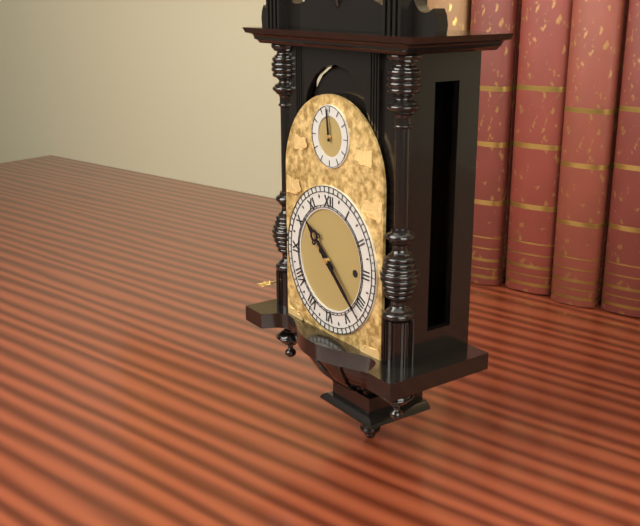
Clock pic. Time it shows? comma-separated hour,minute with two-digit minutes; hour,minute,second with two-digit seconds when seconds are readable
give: 10,22
